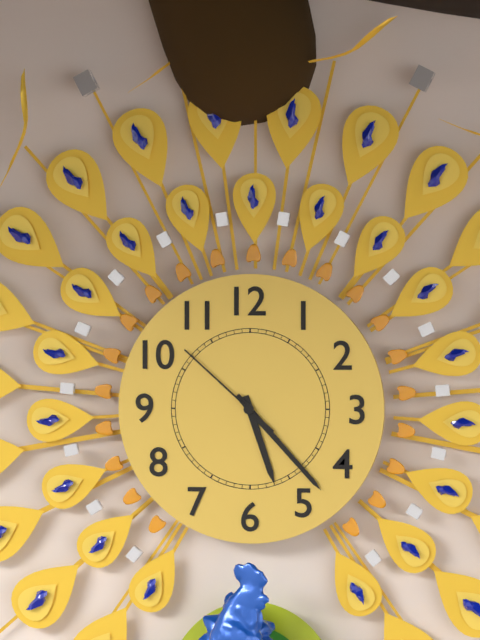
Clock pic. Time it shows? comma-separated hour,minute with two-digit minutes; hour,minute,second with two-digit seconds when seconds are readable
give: 5,23,52
